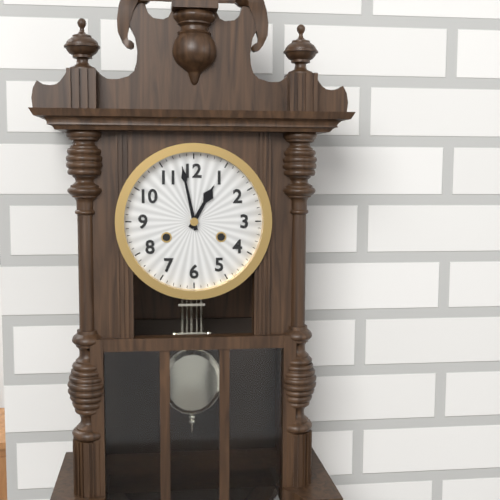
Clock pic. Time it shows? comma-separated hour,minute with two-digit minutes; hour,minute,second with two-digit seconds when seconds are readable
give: 12,58
